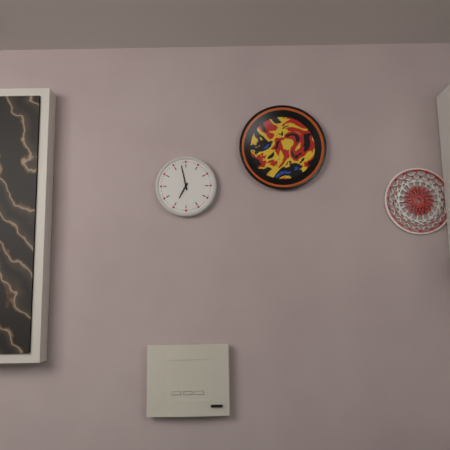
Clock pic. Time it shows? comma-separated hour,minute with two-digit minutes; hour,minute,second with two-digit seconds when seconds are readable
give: 6,58
